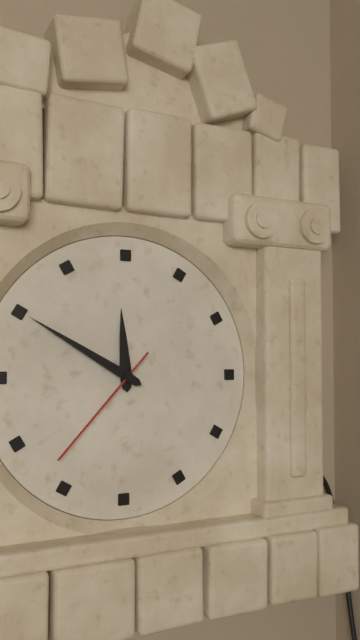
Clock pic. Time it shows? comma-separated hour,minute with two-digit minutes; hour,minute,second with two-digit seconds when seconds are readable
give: 11,50,37
